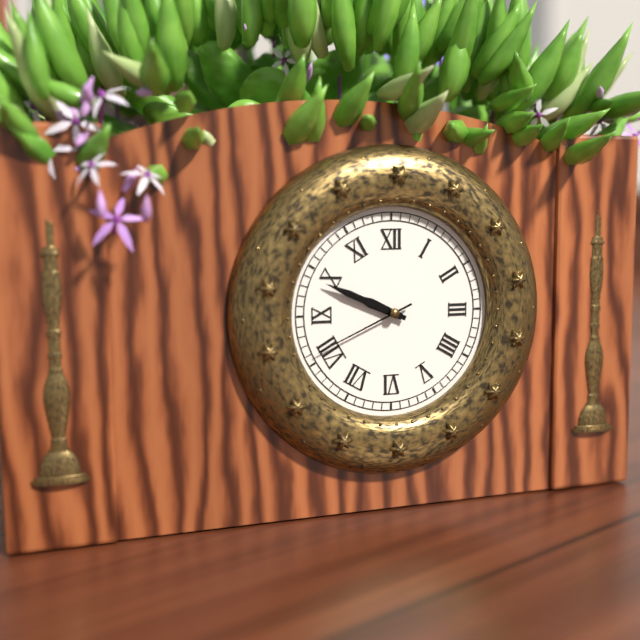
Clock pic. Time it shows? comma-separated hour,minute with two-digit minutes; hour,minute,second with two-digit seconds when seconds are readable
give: 9,49,41
